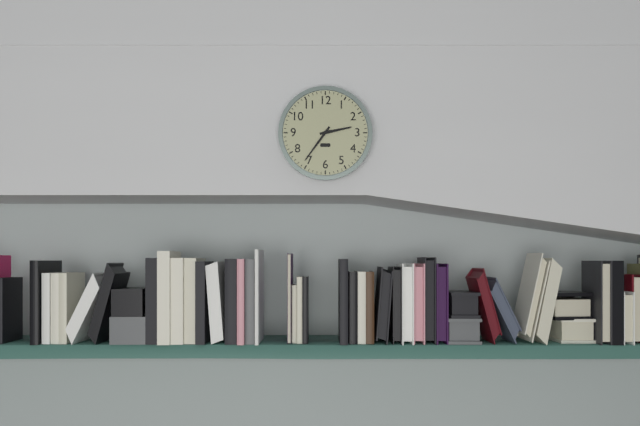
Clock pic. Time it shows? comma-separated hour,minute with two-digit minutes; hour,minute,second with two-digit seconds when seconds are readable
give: 2,36
